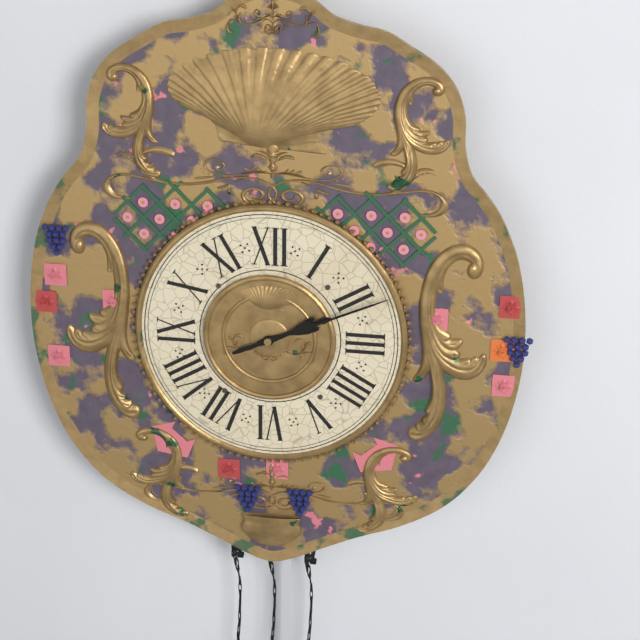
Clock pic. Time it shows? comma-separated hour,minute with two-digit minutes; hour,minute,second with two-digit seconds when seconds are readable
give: 2,11
